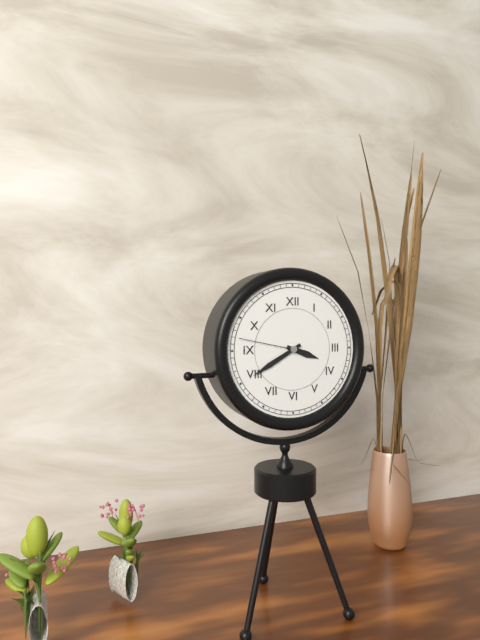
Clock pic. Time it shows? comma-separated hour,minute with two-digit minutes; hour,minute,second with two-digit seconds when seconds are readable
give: 3,40,47
